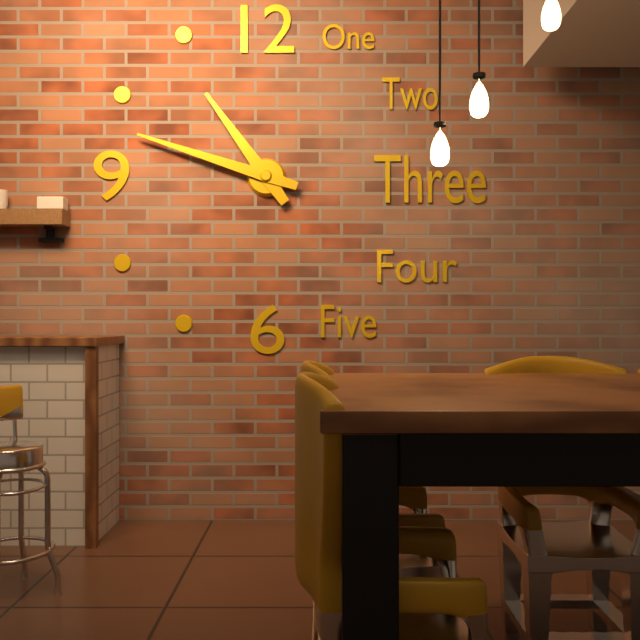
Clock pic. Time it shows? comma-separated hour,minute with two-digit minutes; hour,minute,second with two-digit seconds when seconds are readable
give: 10,48
